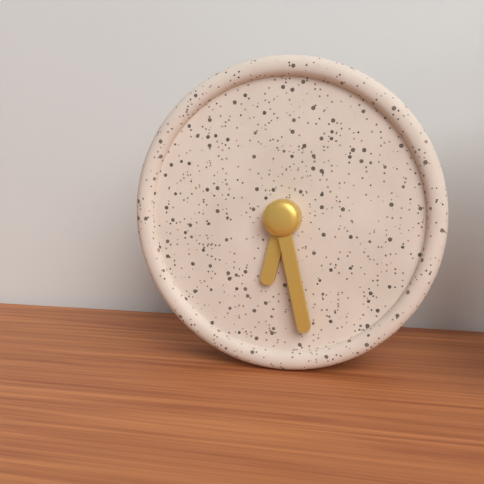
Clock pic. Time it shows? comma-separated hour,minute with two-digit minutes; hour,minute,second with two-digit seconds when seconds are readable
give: 6,28
